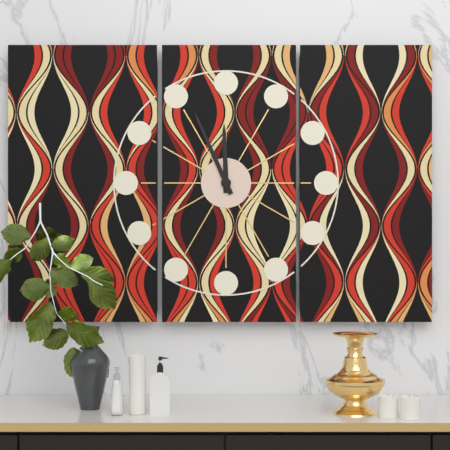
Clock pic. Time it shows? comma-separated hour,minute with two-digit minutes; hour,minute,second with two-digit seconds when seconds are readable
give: 11,56
